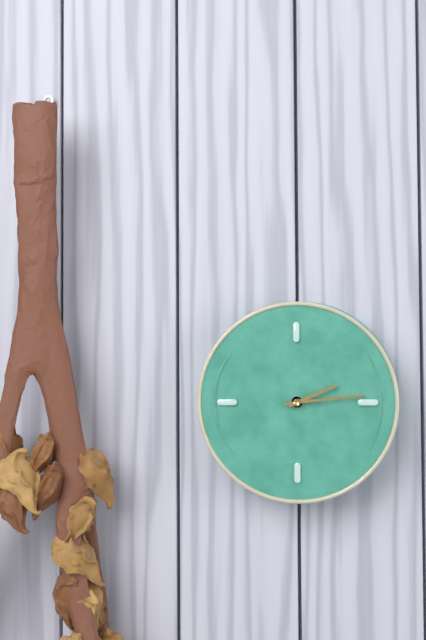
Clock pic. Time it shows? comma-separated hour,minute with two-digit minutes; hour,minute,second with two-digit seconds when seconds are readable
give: 2,14
